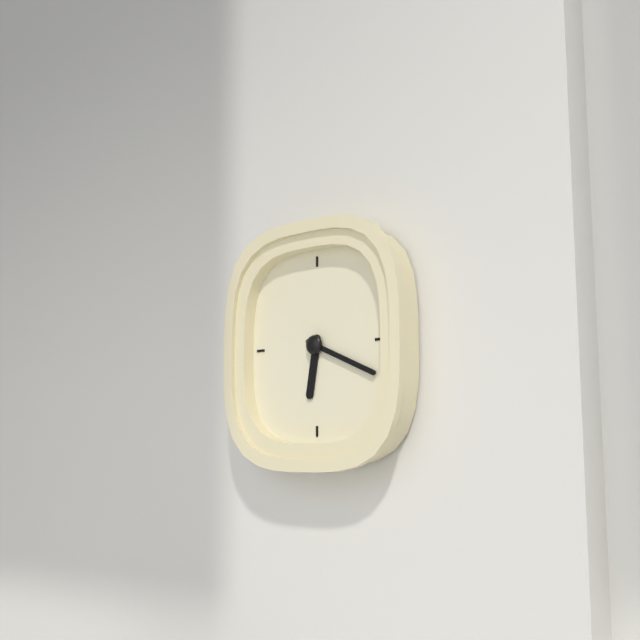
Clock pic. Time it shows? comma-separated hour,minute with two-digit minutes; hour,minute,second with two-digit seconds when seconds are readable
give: 6,19
